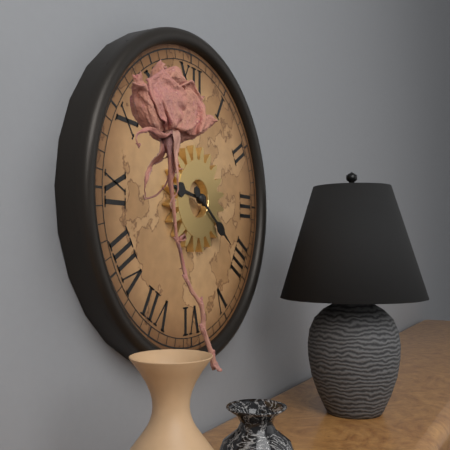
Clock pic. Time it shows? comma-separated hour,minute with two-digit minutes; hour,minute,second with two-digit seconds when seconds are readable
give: 9,21
